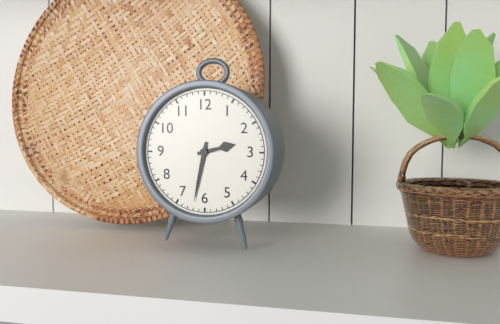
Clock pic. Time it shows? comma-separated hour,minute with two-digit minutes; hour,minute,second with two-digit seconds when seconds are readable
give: 2,32
